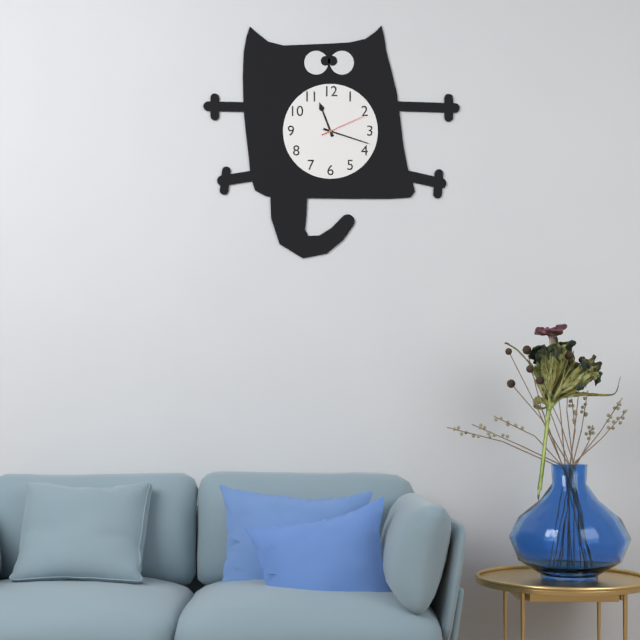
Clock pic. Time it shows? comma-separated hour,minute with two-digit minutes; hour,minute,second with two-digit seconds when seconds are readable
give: 11,18
